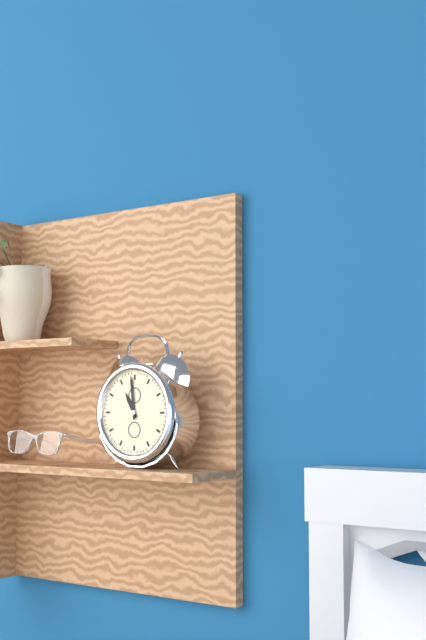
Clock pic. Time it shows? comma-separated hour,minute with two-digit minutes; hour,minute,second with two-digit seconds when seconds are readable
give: 10,59
